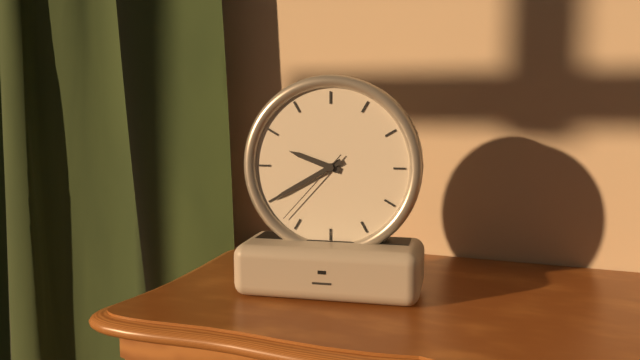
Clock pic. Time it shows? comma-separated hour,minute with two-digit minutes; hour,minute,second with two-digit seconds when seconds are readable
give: 9,40,37
